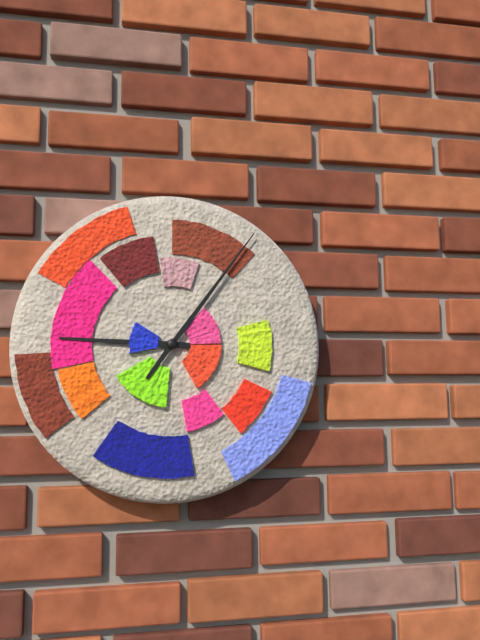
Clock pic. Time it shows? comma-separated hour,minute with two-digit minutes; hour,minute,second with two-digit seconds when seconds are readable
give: 9,06
